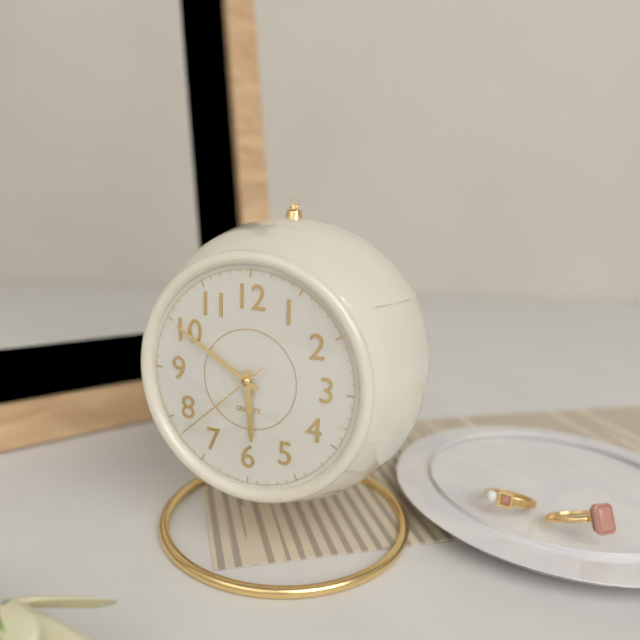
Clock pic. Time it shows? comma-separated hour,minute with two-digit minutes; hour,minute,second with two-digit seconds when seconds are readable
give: 5,50,38
